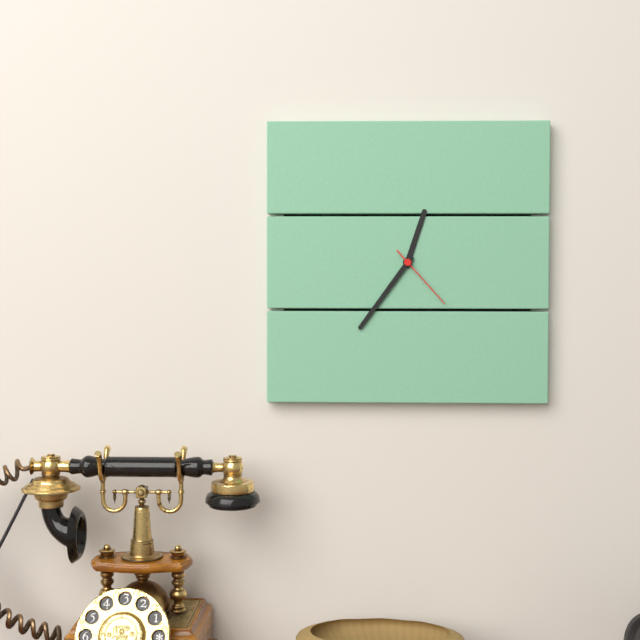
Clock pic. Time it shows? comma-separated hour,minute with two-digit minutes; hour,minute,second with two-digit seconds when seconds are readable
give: 12,36,23
